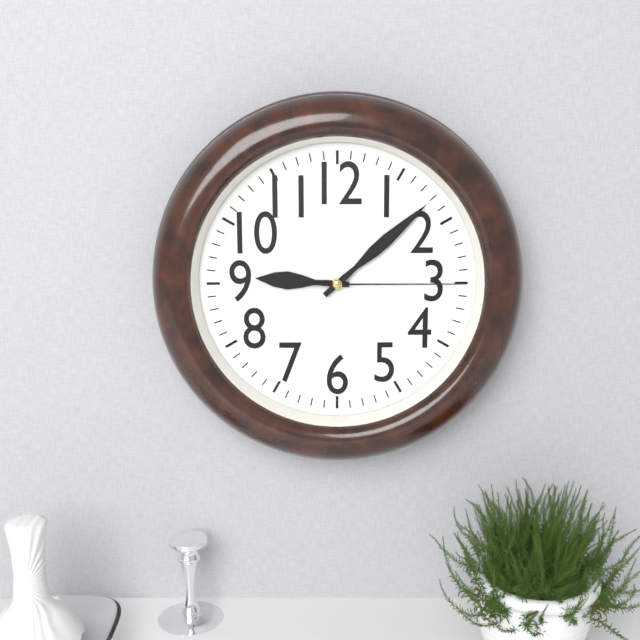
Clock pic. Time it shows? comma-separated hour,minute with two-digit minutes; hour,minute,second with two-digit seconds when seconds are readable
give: 9,08,15
